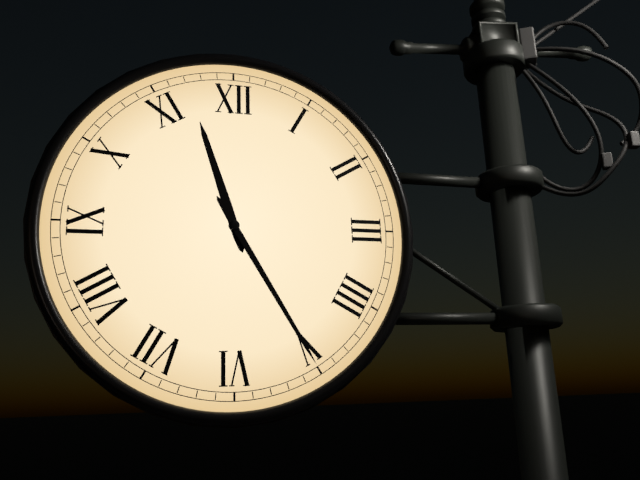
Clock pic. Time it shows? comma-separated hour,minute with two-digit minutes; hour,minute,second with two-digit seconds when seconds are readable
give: 11,25
